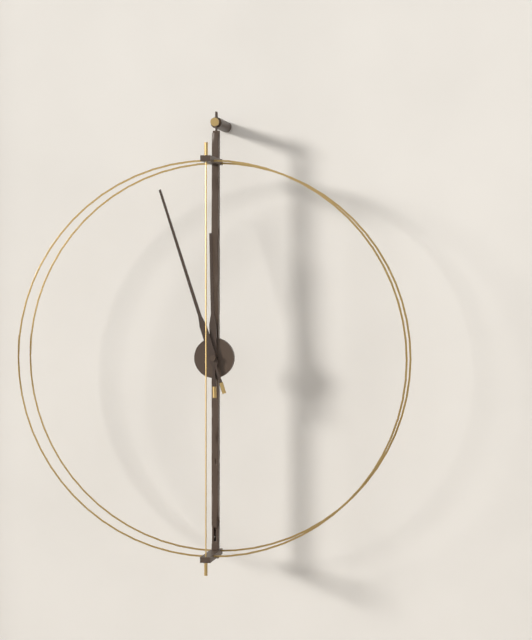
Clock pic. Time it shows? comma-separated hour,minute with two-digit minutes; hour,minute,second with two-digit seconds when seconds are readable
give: 11,57
